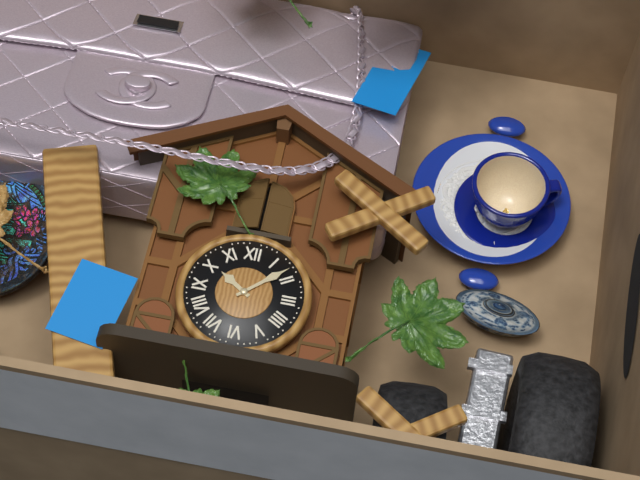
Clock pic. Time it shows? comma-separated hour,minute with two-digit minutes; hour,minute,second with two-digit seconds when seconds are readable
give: 10,08
